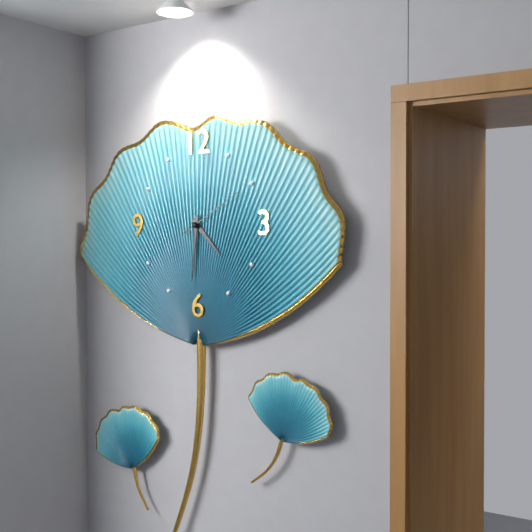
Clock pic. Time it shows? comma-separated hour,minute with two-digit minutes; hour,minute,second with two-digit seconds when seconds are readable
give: 4,31,10
